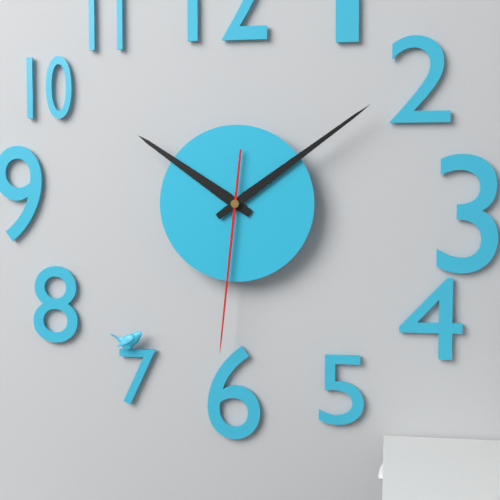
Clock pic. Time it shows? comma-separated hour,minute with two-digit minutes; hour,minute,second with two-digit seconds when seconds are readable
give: 10,09,31
